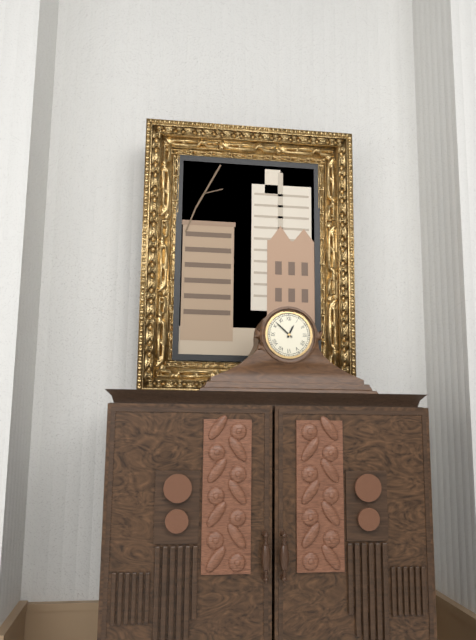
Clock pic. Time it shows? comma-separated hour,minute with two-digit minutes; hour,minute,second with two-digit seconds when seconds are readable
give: 12,52
